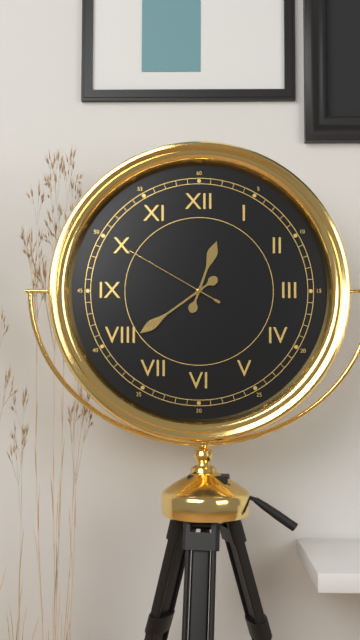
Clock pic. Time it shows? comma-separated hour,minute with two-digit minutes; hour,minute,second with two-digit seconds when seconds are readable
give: 12,39,50
